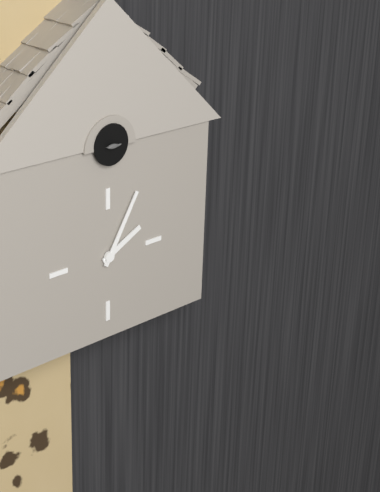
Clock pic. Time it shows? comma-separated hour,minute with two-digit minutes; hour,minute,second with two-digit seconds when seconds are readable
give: 2,05
